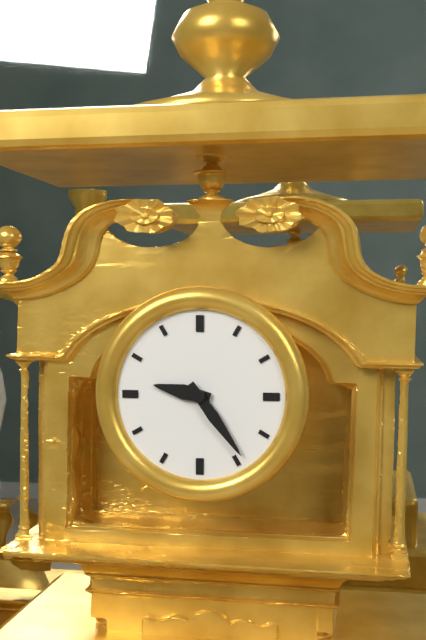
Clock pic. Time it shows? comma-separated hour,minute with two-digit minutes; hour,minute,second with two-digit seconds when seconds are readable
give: 9,24
